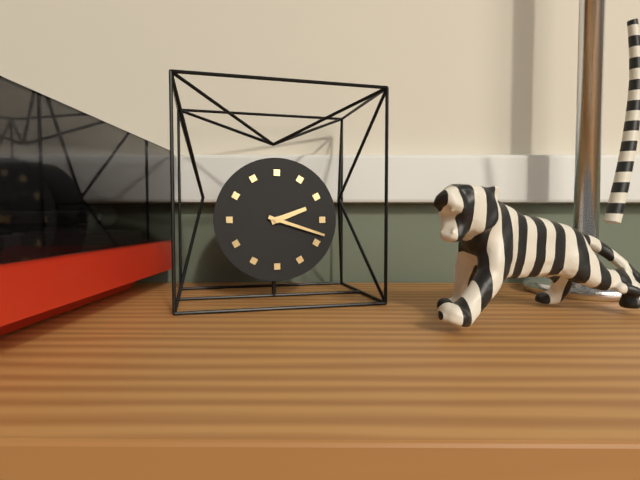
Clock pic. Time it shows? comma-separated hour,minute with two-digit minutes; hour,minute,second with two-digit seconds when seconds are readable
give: 2,18
